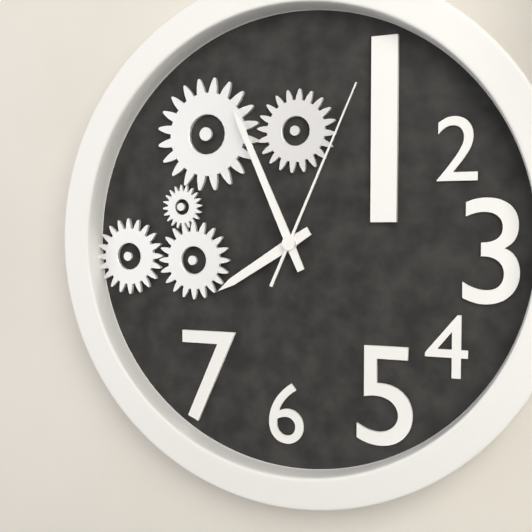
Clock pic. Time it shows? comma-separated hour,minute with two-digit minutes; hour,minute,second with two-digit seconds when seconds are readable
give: 7,56,04
